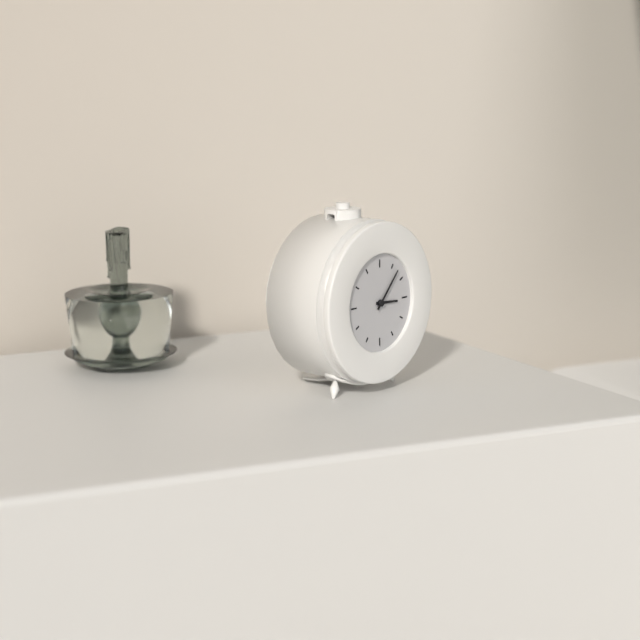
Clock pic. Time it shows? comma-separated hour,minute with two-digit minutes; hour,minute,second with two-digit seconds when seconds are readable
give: 3,07
